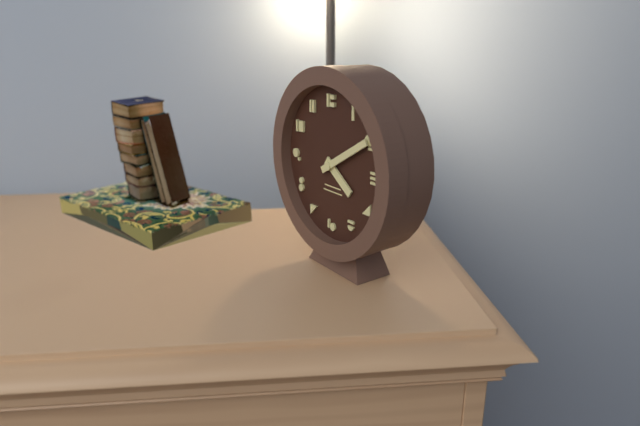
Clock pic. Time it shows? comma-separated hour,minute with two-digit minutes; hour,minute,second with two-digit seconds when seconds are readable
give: 4,10
